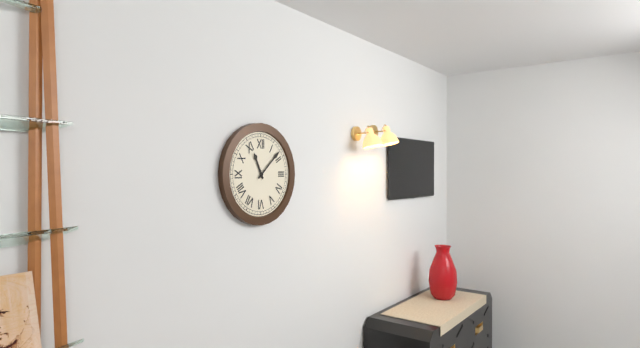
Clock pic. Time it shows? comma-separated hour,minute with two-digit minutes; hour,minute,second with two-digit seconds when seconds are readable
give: 11,08
